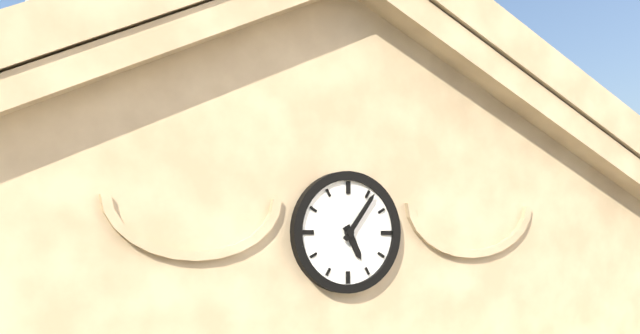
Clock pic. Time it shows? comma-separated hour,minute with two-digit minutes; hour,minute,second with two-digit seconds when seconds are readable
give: 5,06
